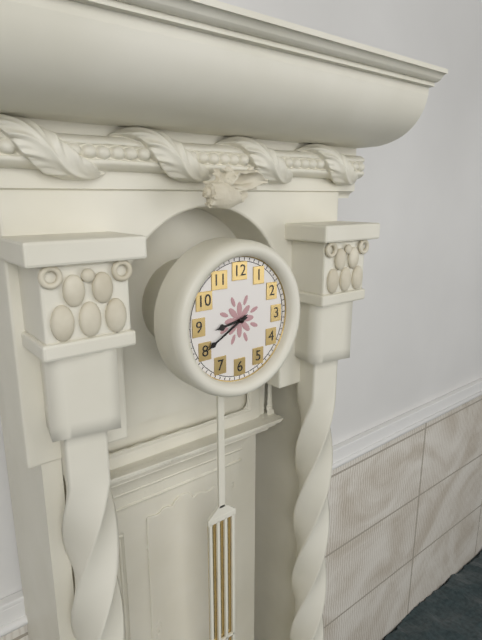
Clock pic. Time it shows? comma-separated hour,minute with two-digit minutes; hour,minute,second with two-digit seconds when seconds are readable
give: 8,40
